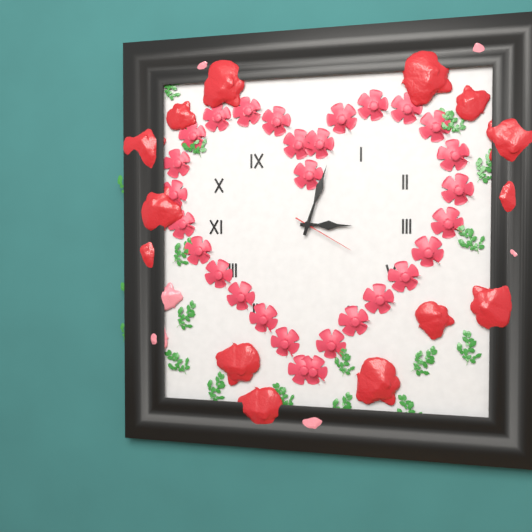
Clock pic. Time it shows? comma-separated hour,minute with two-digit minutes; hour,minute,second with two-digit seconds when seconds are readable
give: 3,03,20
